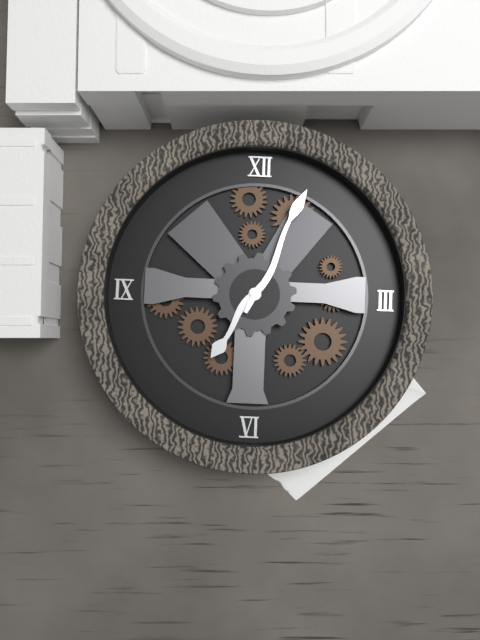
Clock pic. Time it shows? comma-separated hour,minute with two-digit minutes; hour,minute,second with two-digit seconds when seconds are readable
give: 7,04
